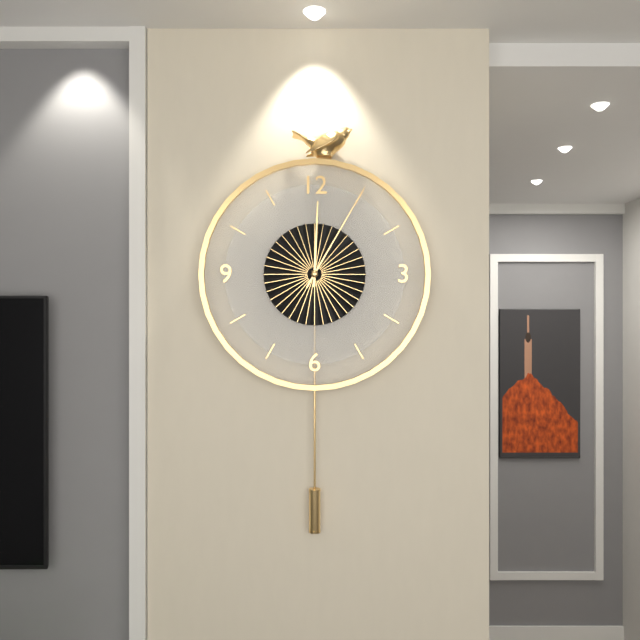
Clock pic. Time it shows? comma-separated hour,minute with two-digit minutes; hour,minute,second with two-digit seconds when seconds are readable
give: 12,05
